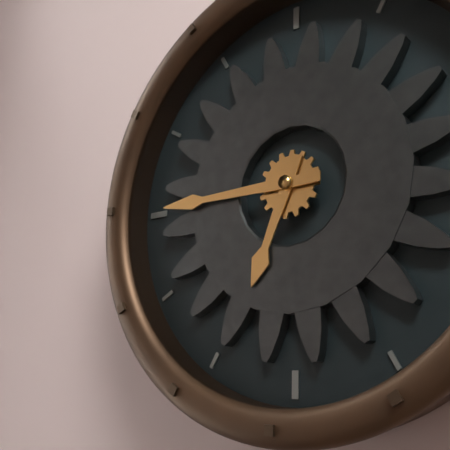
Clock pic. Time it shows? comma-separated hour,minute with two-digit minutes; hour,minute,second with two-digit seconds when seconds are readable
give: 6,45
